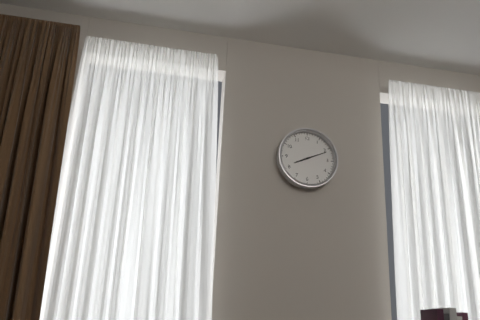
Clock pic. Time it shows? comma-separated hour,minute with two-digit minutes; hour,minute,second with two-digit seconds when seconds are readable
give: 8,11
